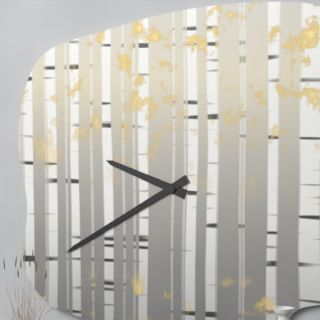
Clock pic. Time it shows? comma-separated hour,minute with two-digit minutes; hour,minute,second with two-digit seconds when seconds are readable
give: 9,40
